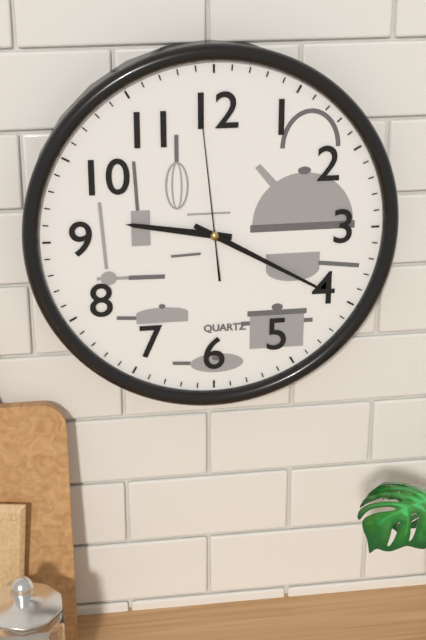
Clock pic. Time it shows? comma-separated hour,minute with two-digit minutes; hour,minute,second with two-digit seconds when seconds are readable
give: 9,20,59
